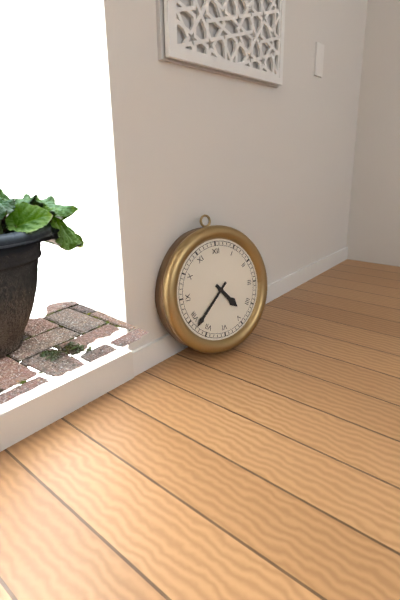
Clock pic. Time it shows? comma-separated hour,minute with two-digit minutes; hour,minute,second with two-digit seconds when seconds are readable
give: 4,38
